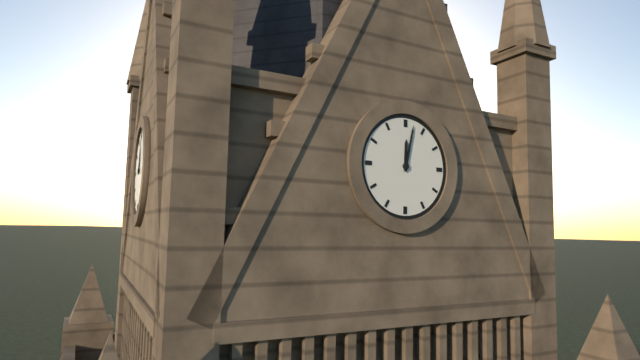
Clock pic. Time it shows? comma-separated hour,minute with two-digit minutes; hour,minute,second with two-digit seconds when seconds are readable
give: 12,02
